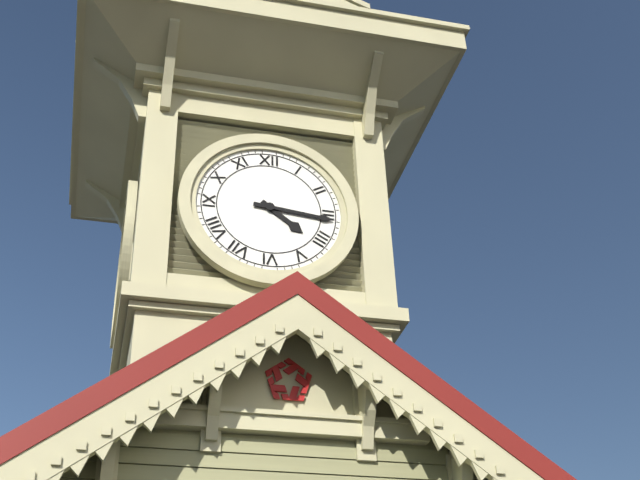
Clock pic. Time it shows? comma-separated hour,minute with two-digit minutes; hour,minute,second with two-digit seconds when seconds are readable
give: 4,16
